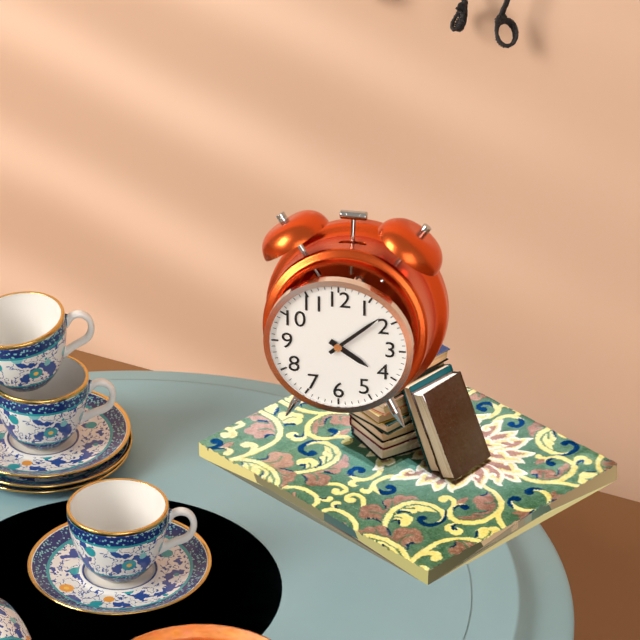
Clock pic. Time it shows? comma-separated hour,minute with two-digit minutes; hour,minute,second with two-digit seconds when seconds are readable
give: 4,08
